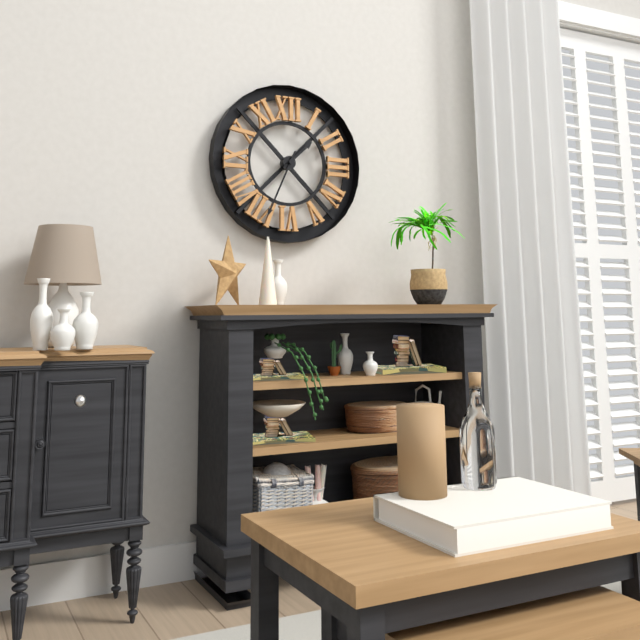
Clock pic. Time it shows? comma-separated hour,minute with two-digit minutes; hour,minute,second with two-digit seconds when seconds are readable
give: 1,34
